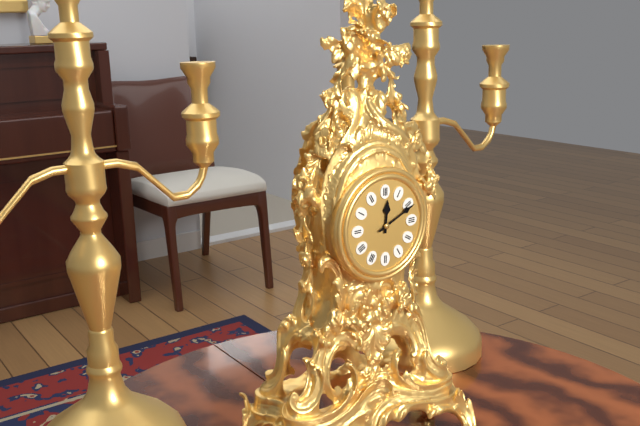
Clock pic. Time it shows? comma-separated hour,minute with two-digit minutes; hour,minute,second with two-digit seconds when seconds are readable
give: 12,11
